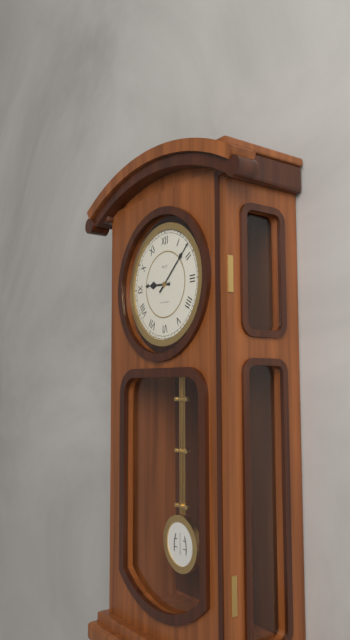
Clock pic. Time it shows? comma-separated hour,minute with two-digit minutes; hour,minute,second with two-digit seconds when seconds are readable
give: 9,08
